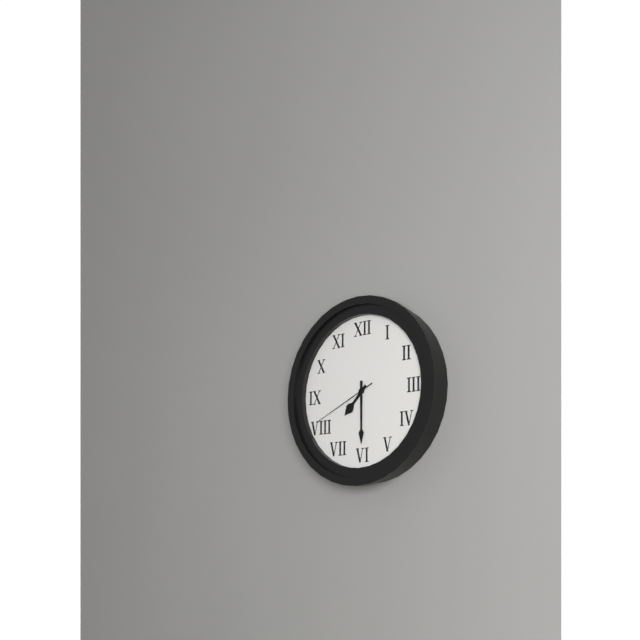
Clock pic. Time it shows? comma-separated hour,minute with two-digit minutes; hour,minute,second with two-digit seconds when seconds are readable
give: 7,30,41
